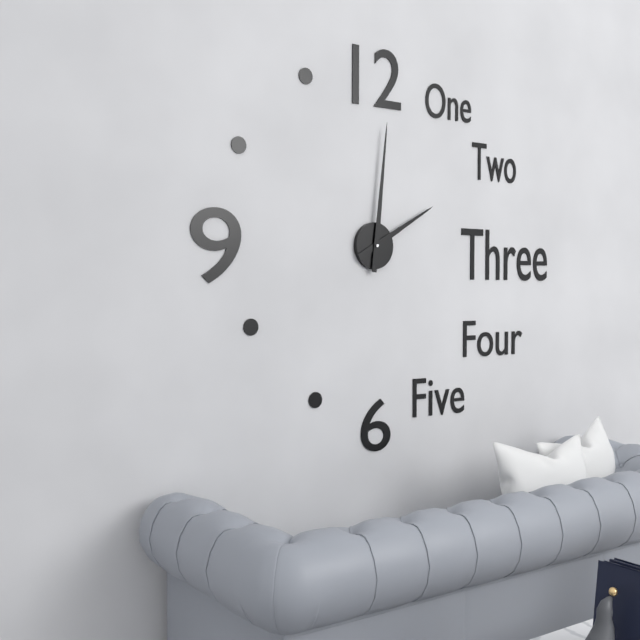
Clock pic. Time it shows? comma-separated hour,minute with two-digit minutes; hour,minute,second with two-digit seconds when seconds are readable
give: 2,01
